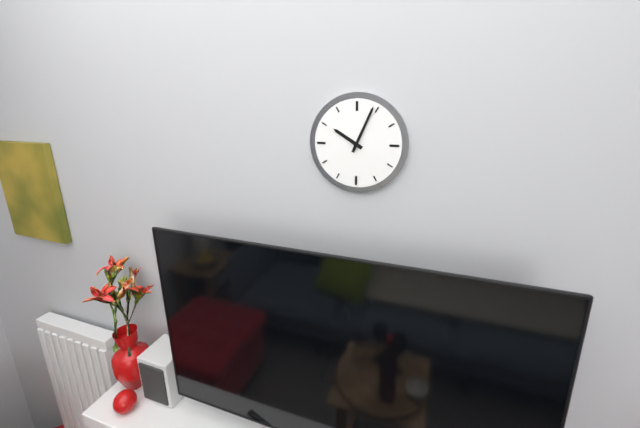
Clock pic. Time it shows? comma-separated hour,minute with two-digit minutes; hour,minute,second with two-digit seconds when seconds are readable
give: 10,04
